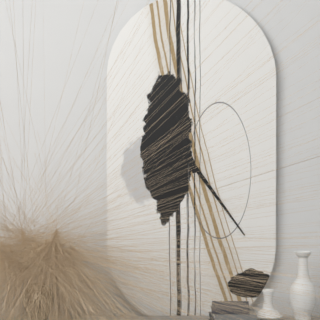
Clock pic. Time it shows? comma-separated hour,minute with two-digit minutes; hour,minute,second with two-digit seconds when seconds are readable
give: 11,24
